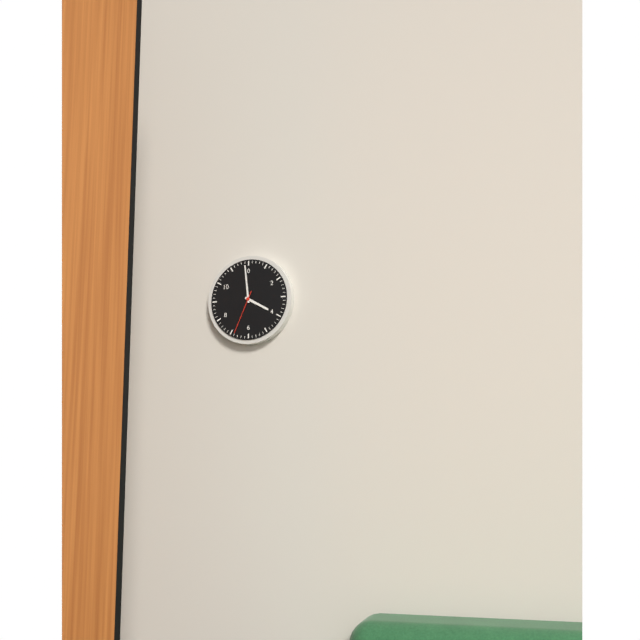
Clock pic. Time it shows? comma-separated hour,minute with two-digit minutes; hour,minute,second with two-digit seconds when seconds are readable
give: 3,59
